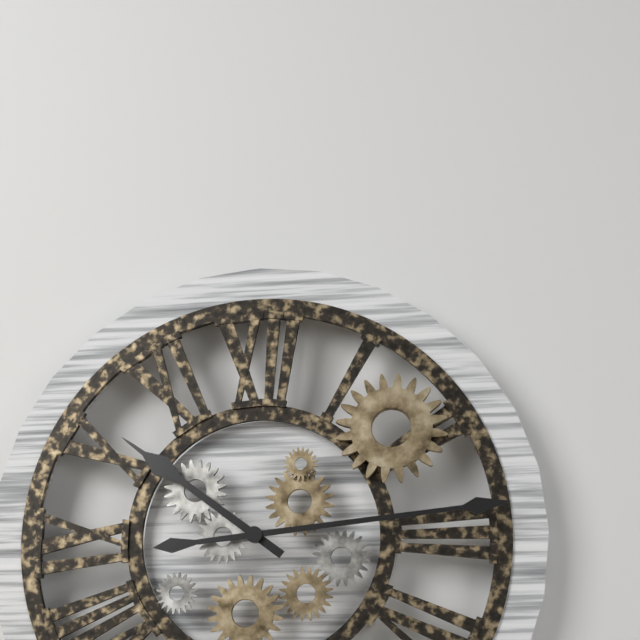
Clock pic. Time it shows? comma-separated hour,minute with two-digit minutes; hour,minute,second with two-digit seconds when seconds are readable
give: 10,14
